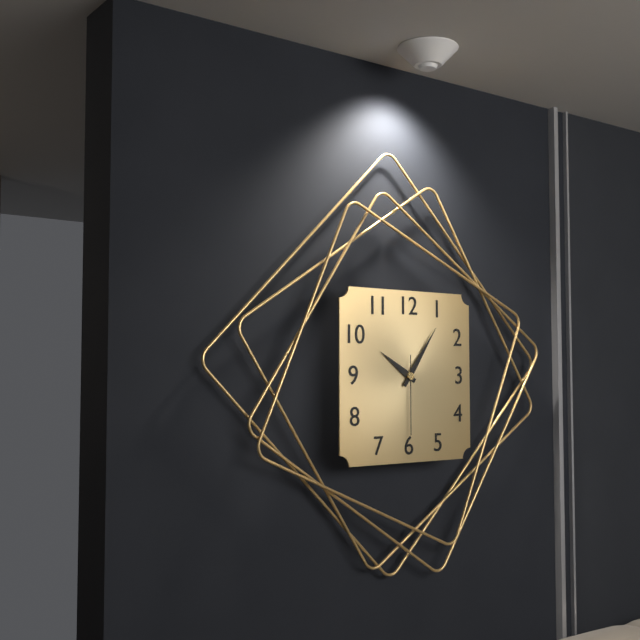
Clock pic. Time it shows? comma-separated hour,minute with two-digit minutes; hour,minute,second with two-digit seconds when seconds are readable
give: 10,06,30
